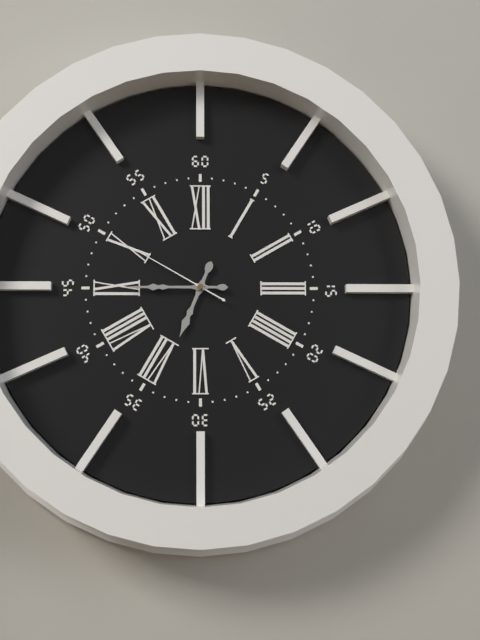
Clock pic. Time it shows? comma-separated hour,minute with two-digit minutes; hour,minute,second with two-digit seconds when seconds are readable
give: 6,45,50
